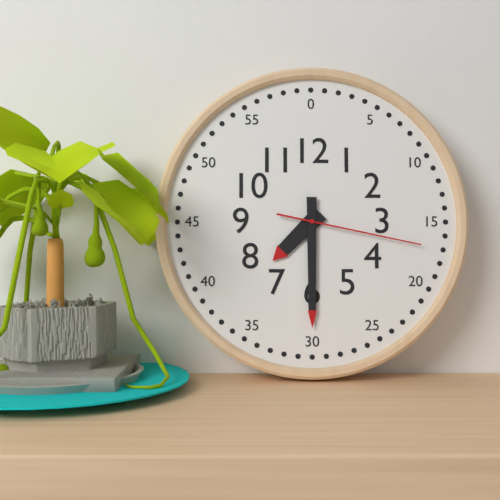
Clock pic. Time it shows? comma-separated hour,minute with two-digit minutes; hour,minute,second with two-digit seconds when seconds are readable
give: 7,30,17
